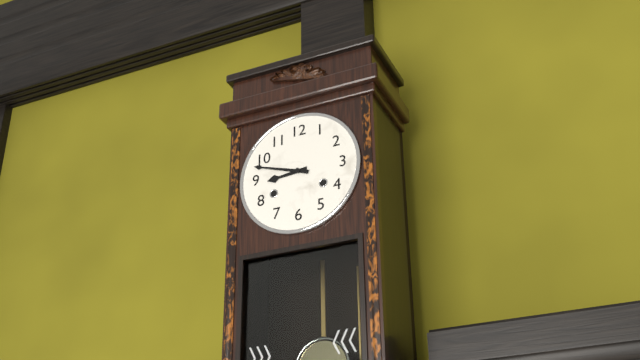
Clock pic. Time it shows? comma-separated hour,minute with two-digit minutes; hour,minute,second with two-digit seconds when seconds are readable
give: 8,48
